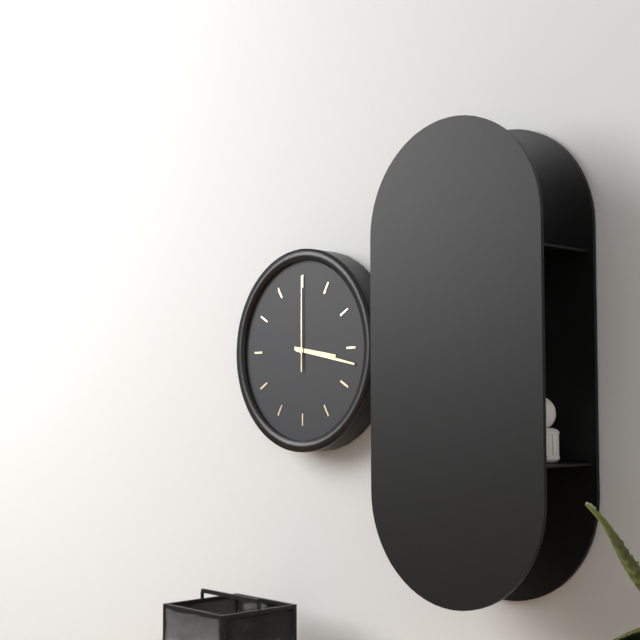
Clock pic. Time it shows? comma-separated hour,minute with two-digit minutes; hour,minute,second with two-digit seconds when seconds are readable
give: 3,17,00
